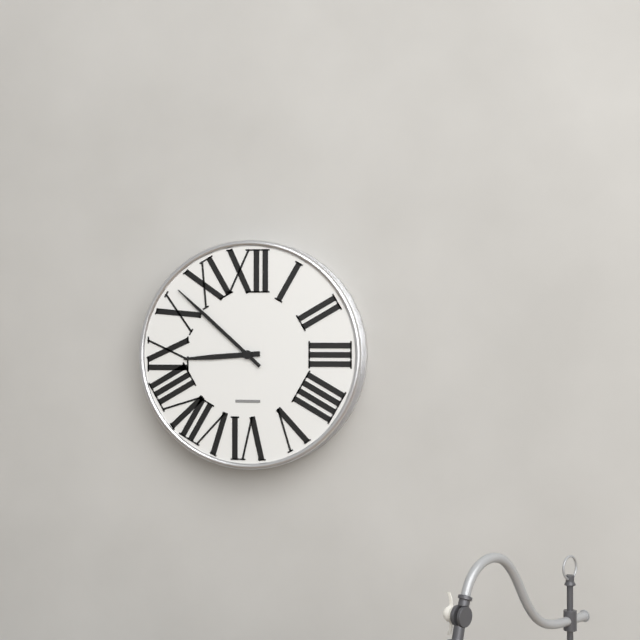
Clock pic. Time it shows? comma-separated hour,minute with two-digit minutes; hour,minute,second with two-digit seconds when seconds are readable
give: 8,52
